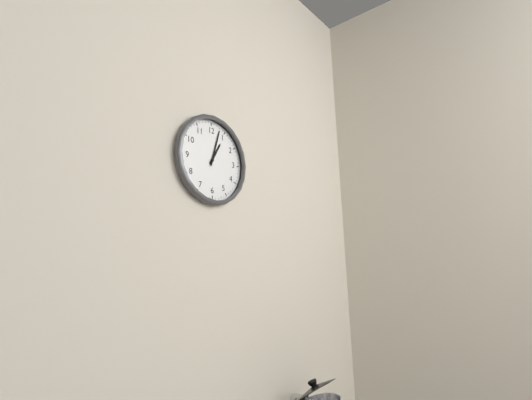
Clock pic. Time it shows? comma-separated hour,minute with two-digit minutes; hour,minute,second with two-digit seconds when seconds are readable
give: 1,03
